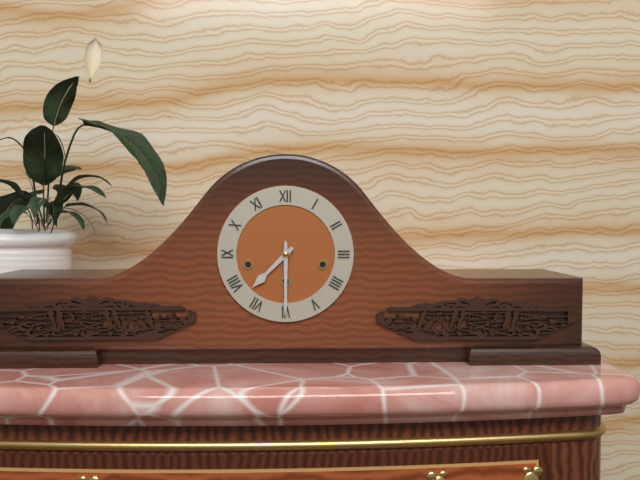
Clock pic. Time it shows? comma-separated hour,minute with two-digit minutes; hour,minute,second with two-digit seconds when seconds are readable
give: 7,30
